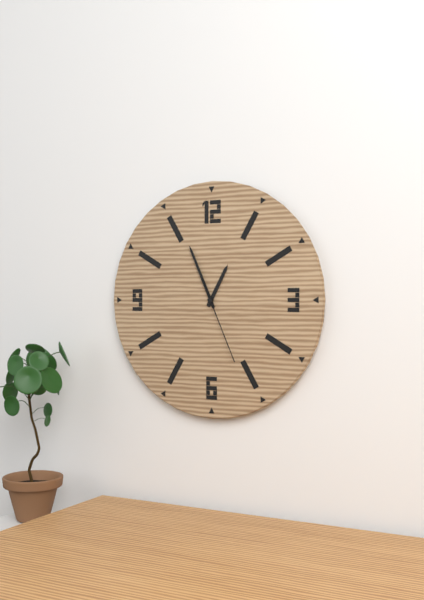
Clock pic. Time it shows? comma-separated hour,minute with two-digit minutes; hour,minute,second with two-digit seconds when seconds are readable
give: 12,56,26
